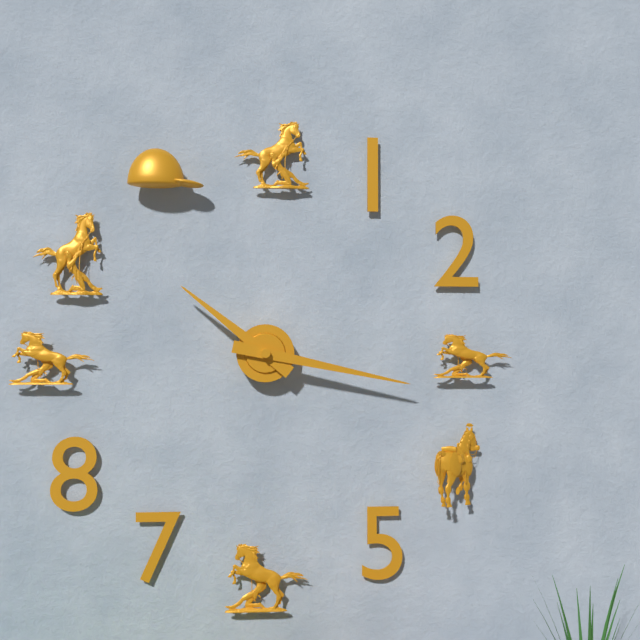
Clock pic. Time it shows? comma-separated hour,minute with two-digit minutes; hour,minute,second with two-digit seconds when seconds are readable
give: 10,17
